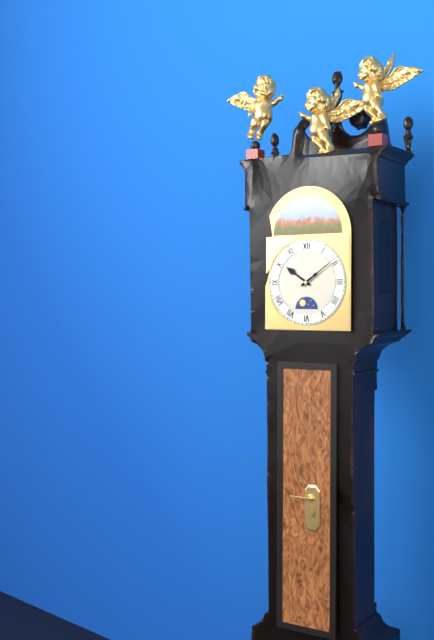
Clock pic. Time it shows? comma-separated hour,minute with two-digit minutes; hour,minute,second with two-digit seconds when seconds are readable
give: 10,09
